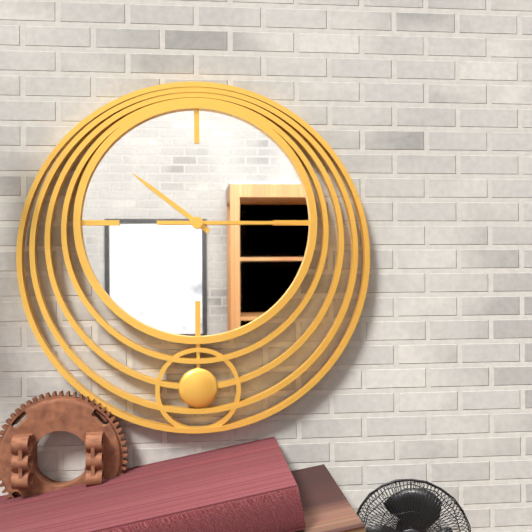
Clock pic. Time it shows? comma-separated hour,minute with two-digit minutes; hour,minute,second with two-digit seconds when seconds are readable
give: 10,15
